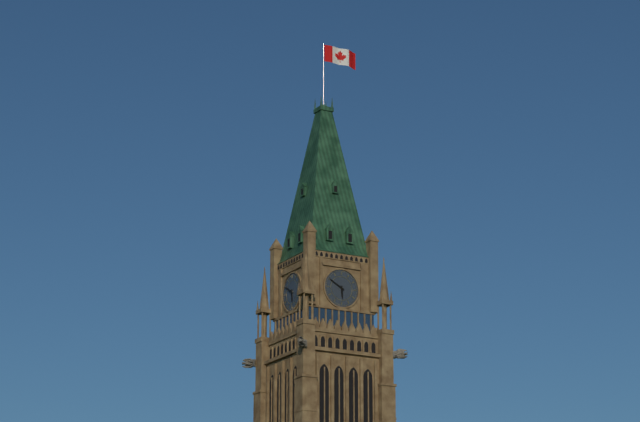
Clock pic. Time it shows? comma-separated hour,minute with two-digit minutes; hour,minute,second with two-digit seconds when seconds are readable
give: 5,50
